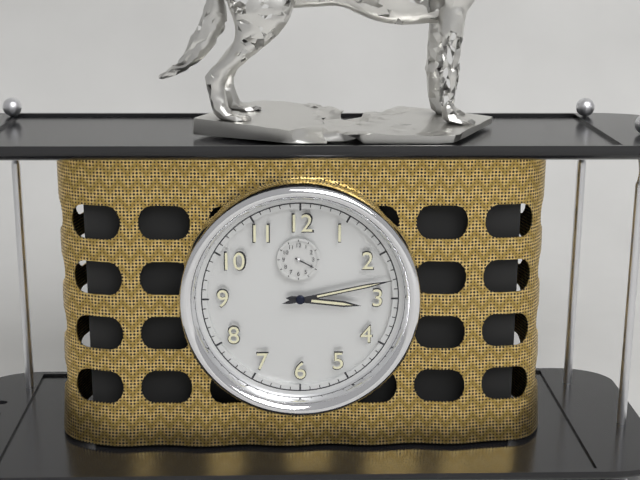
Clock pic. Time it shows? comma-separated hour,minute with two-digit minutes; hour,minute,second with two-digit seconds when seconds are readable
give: 3,13
